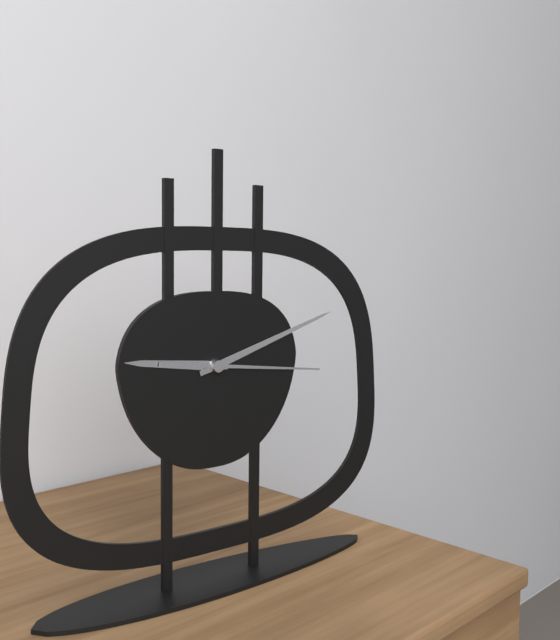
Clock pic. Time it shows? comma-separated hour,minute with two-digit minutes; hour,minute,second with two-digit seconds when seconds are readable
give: 9,12,16
